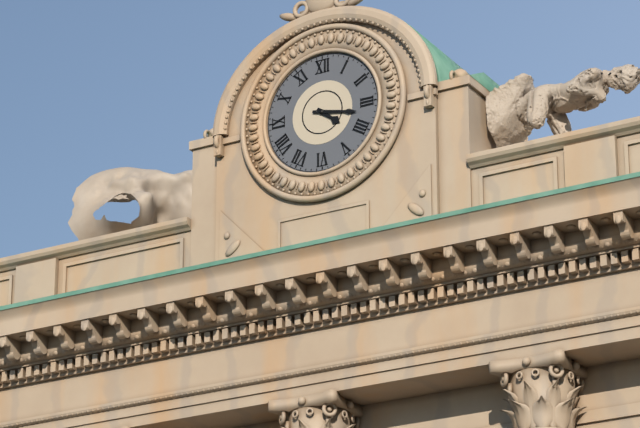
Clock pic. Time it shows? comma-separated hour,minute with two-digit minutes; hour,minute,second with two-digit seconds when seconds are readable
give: 4,17
